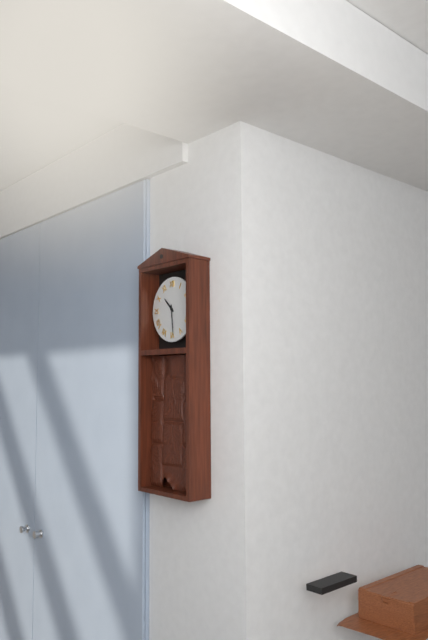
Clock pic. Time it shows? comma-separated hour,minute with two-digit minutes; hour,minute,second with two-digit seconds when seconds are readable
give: 10,29
